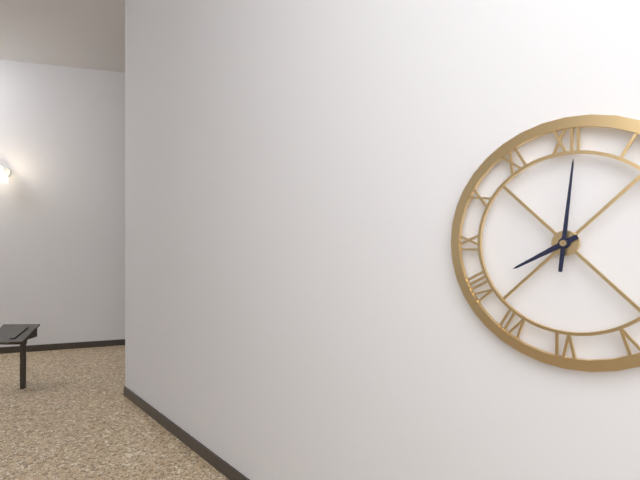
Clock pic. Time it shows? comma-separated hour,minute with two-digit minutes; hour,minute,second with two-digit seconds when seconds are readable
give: 8,01
